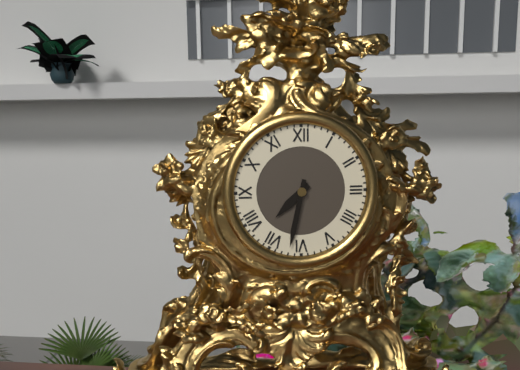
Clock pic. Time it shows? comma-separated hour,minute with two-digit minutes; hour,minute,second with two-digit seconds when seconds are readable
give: 7,32
